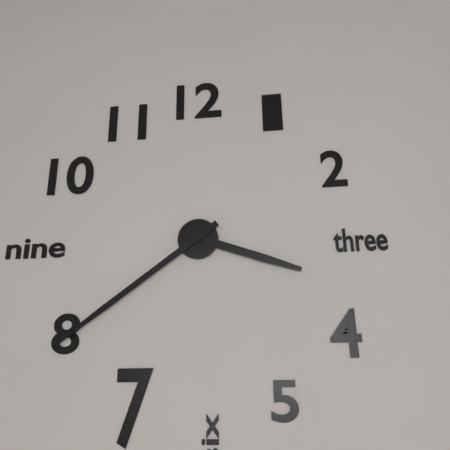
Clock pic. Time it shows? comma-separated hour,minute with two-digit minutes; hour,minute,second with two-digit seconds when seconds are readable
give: 3,39
